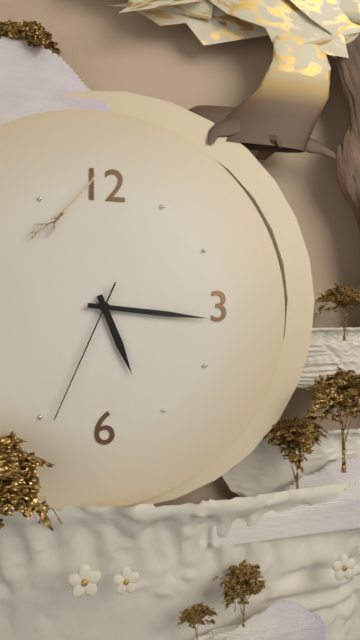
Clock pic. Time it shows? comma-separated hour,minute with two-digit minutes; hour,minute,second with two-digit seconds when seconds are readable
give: 5,16,34
